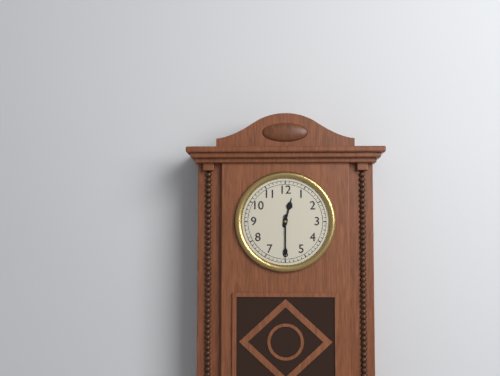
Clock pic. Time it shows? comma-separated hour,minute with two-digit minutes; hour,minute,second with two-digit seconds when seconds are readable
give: 12,30
